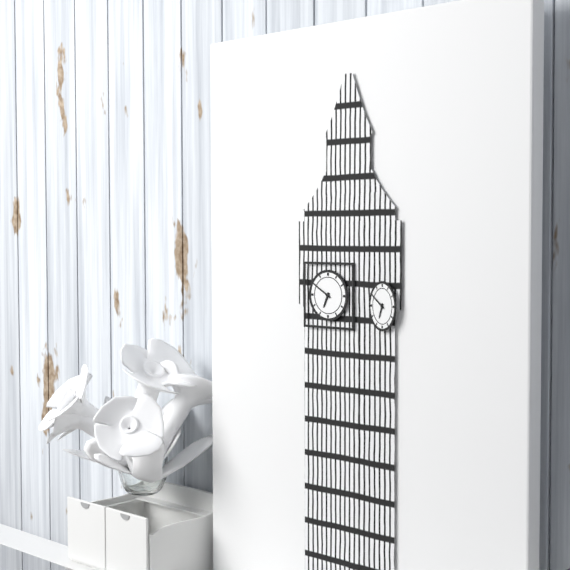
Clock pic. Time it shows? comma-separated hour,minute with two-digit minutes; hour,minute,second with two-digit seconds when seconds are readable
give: 6,50
